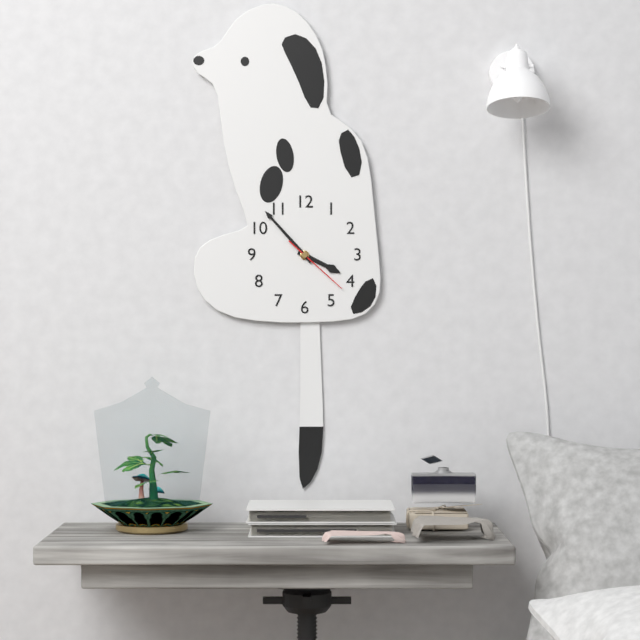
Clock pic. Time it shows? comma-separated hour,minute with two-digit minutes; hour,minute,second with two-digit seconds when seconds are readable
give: 3,53,22
